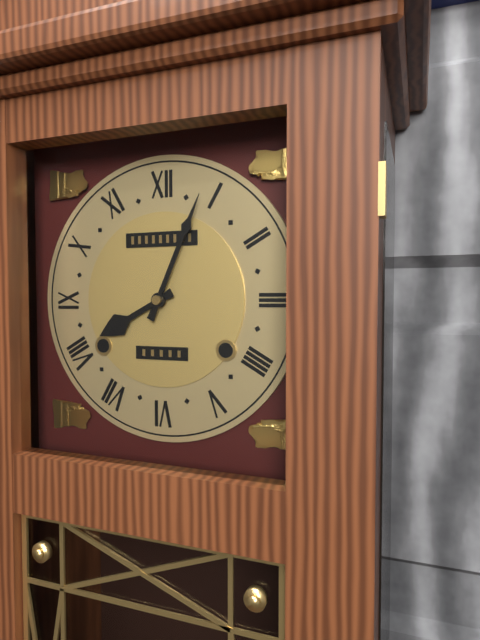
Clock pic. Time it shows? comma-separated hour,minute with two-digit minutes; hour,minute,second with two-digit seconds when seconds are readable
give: 8,04
